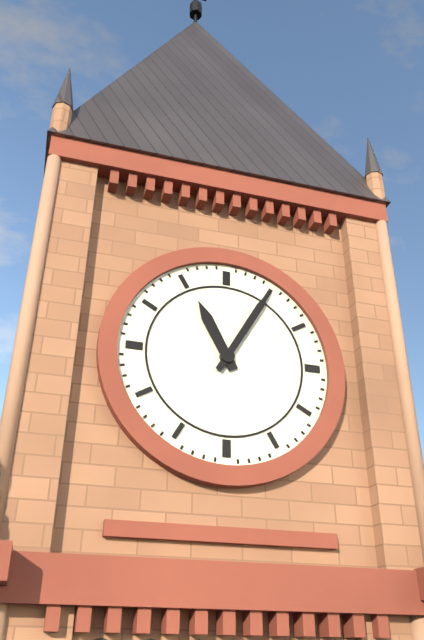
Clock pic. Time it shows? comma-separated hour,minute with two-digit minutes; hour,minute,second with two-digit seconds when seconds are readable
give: 11,05
